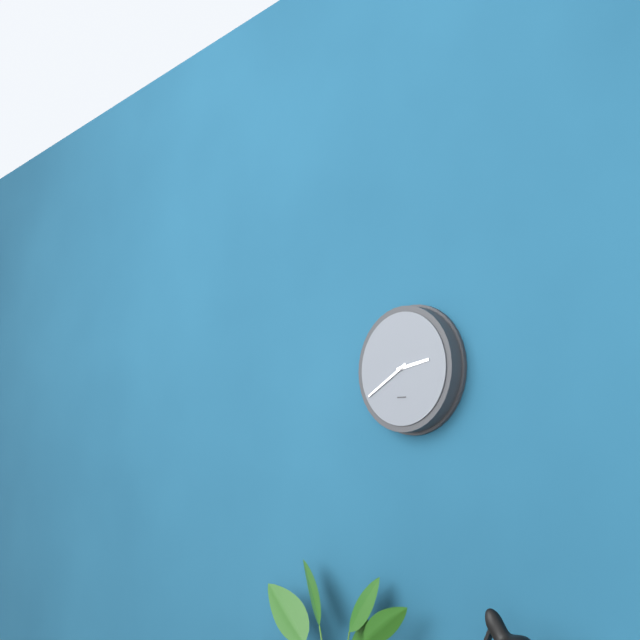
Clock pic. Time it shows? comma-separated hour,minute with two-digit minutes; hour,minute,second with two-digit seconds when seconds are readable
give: 2,40
